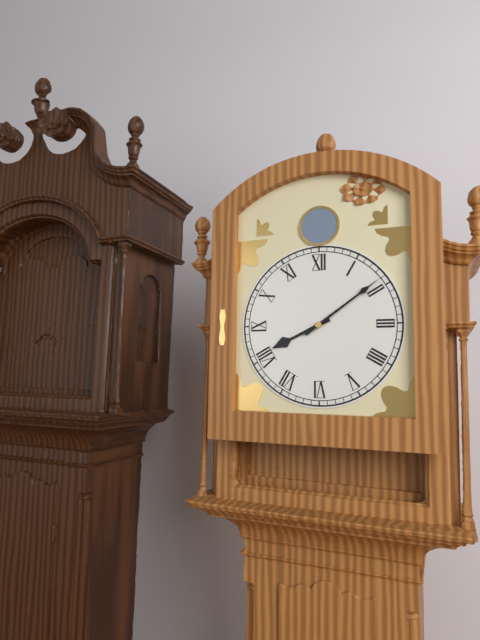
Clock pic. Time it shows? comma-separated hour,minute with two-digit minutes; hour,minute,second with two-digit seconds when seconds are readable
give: 8,09
